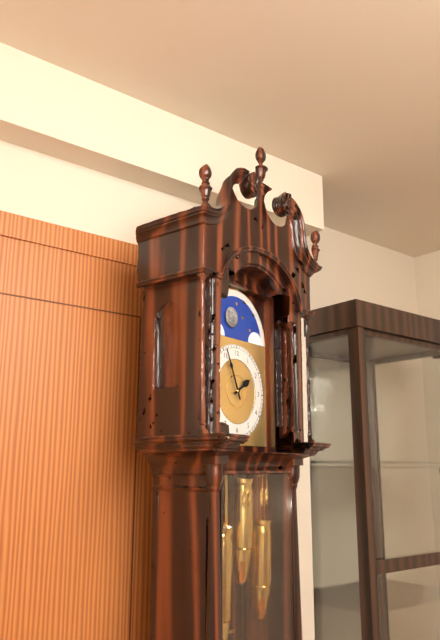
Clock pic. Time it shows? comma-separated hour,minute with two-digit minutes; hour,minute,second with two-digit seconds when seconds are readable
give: 1,56
